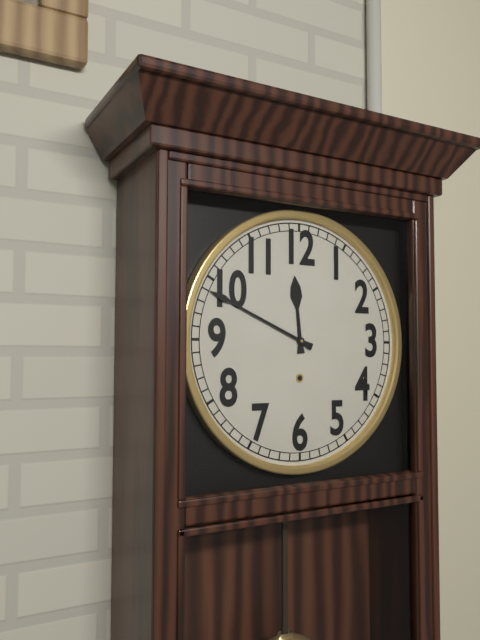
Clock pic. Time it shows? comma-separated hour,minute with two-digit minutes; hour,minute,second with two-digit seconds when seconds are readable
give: 11,49
